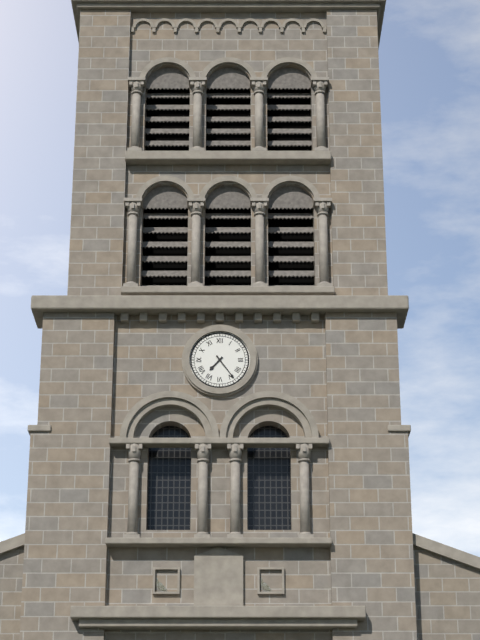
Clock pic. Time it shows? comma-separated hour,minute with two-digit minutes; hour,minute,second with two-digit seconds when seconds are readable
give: 7,24
